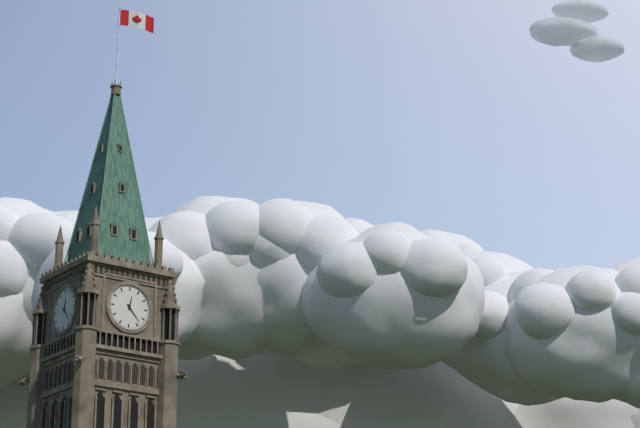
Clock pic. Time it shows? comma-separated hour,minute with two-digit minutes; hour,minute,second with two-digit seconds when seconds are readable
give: 12,23
